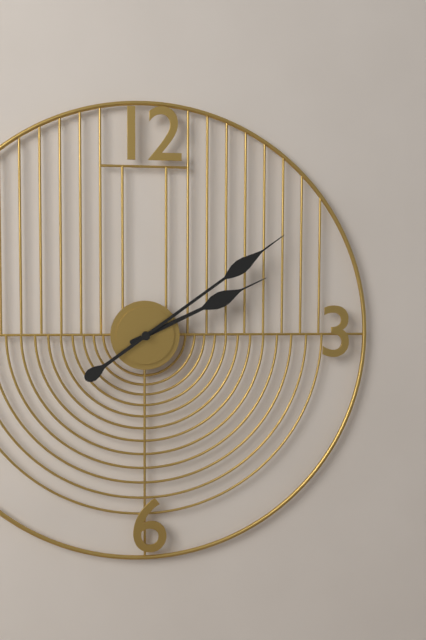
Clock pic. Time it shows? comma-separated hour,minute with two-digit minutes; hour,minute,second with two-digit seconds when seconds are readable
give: 2,09
